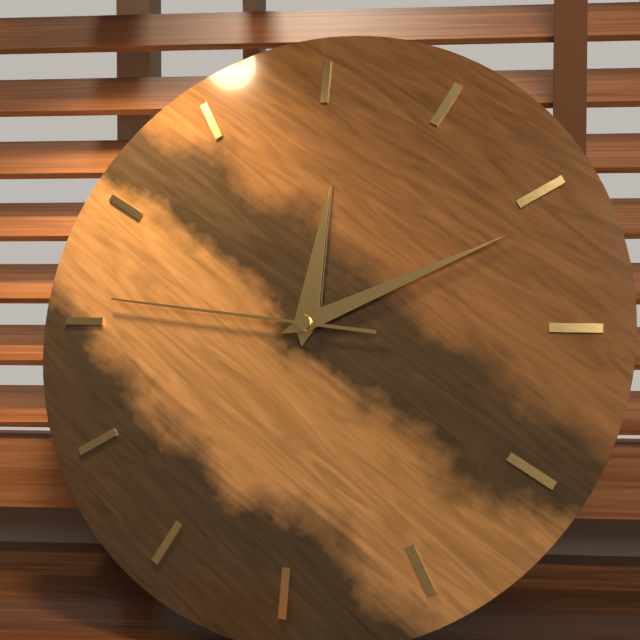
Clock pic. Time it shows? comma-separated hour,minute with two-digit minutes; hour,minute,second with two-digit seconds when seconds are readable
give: 12,11,46
